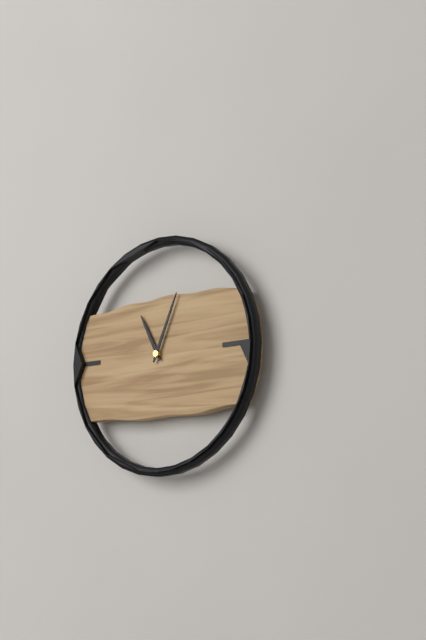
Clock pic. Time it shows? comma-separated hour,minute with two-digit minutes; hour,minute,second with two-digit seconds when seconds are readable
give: 11,04
